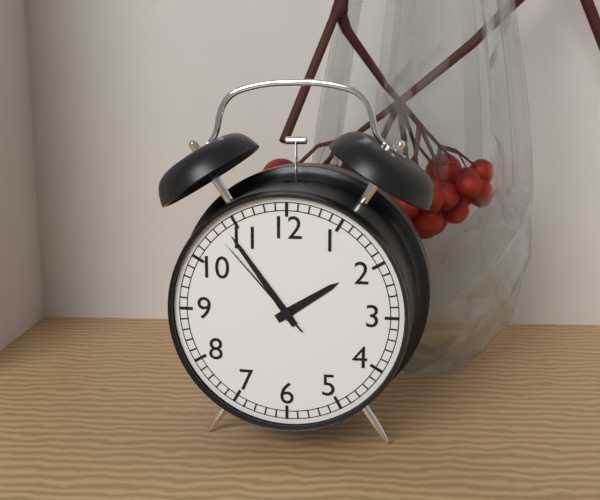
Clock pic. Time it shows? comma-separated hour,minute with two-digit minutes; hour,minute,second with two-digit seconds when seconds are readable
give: 1,54,53
